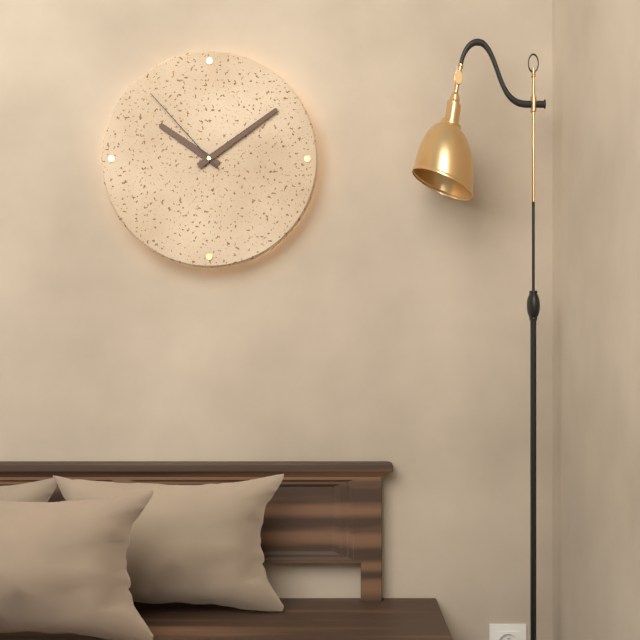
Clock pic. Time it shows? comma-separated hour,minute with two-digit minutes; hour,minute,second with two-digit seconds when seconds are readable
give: 10,09,53
